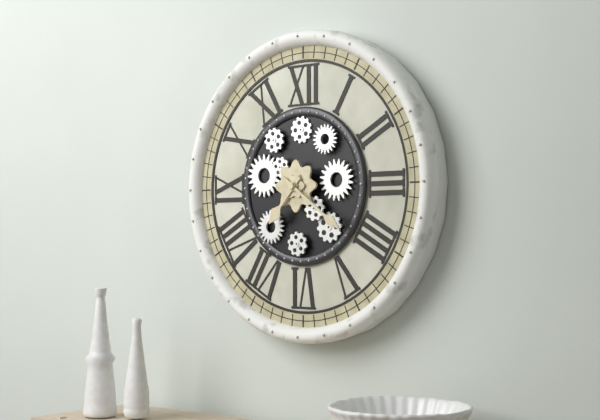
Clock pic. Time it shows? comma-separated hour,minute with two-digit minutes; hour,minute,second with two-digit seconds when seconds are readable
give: 7,21
